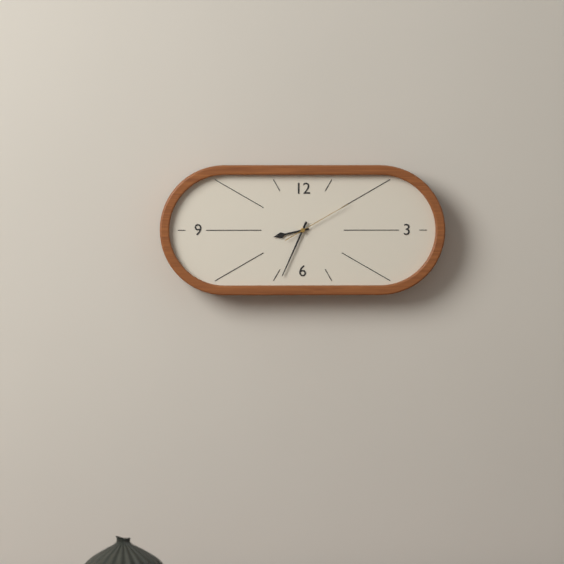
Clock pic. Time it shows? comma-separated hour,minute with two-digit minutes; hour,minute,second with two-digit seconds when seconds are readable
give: 8,34,10
